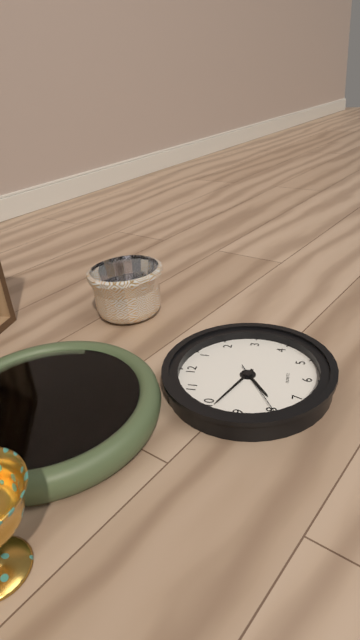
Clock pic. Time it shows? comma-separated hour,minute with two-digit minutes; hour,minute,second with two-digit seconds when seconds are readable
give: 7,49,40
